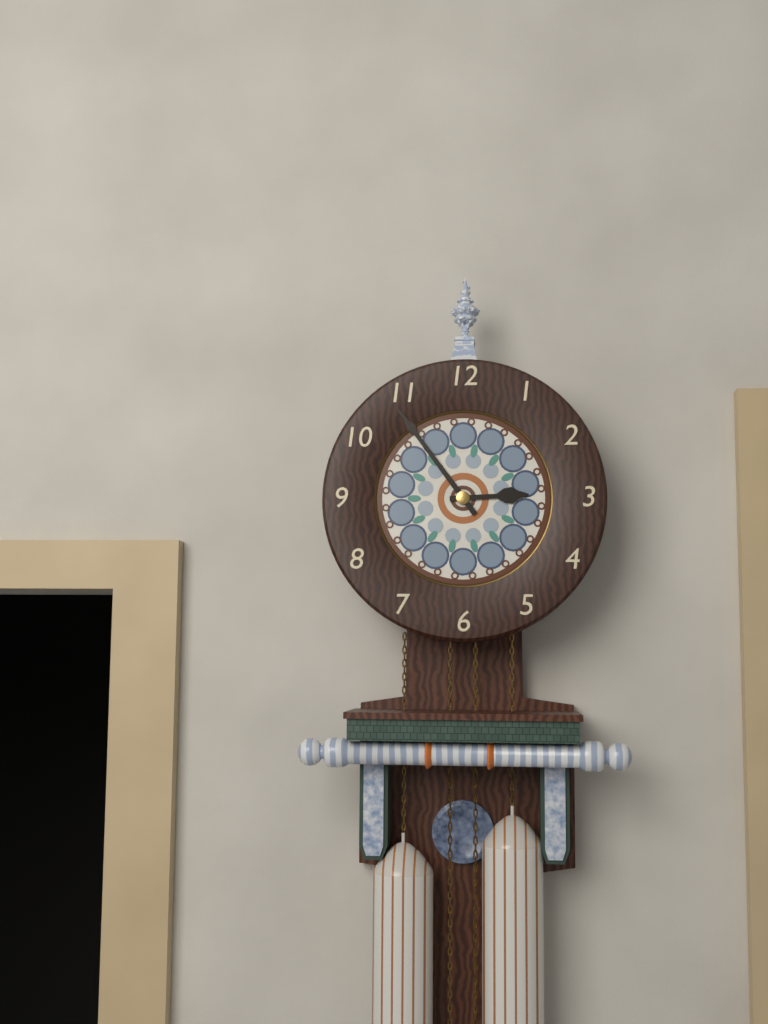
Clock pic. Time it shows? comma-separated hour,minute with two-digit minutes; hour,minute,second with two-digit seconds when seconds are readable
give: 2,54
